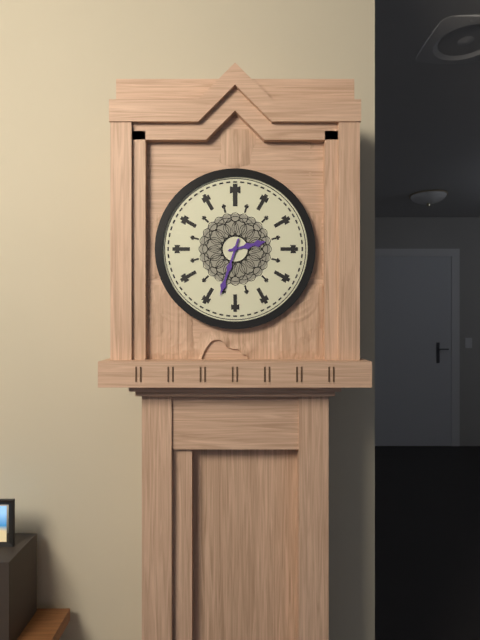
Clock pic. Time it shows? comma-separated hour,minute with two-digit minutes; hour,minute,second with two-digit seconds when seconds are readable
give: 2,33
